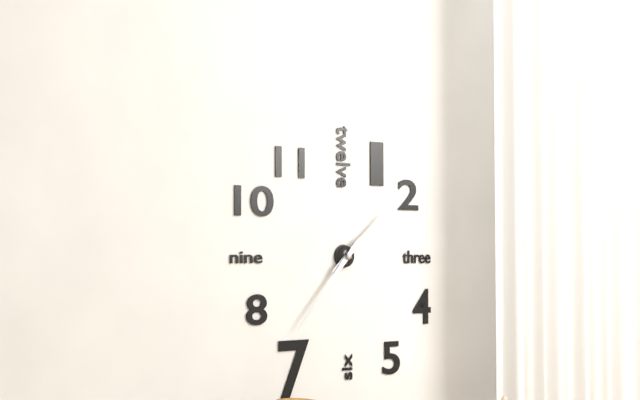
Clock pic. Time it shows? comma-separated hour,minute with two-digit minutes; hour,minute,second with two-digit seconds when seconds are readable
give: 1,37
